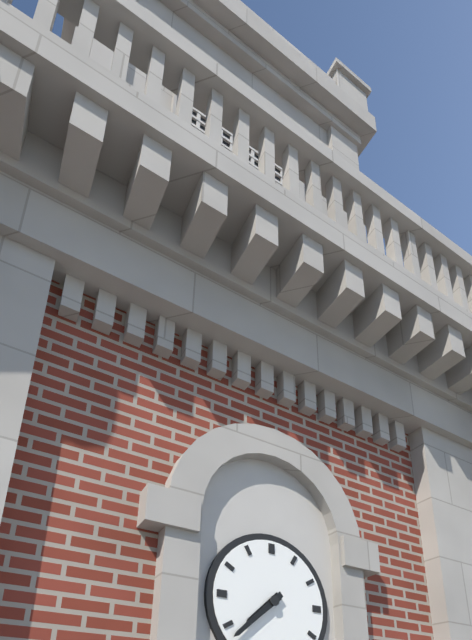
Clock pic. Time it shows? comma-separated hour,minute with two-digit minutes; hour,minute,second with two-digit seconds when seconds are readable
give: 7,38
